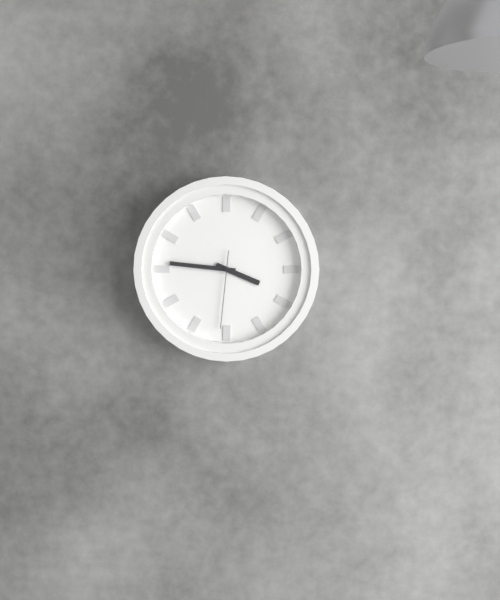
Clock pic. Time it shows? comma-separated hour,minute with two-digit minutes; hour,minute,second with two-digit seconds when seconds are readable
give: 3,46,31
